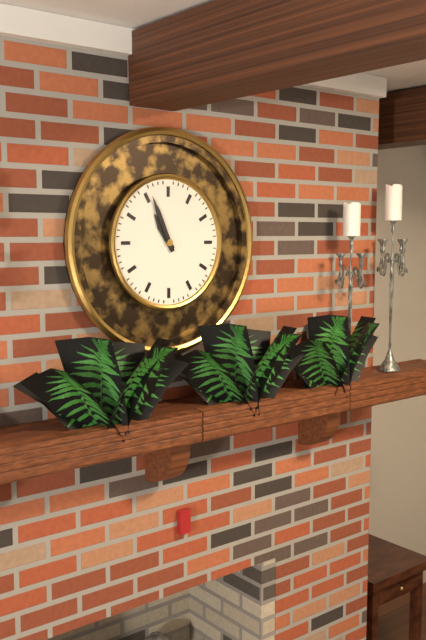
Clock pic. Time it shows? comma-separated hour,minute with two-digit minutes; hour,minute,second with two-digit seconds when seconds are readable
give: 10,56
